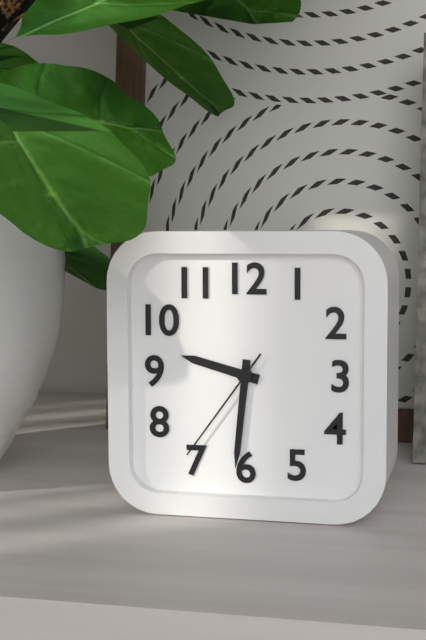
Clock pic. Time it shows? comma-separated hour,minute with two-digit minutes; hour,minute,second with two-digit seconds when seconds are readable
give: 9,31,36
